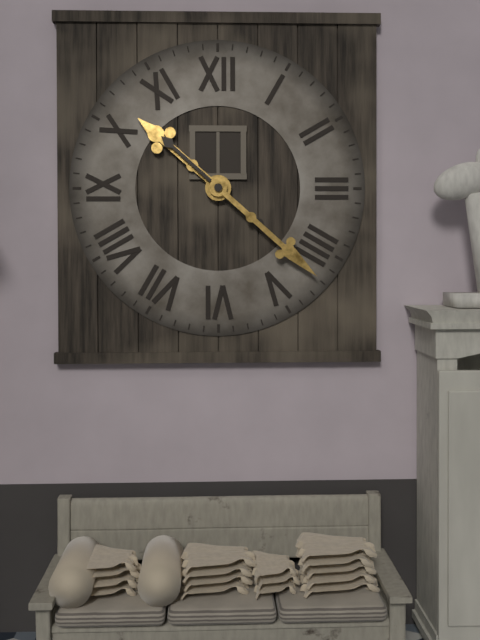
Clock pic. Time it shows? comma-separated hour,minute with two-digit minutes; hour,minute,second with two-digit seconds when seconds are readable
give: 10,22
